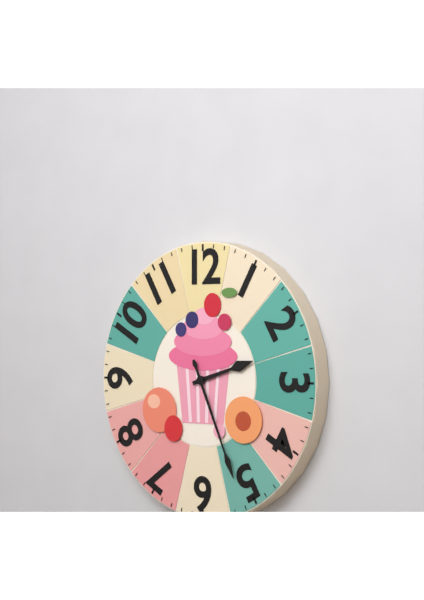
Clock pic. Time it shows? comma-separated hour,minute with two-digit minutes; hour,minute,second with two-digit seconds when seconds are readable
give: 2,26
